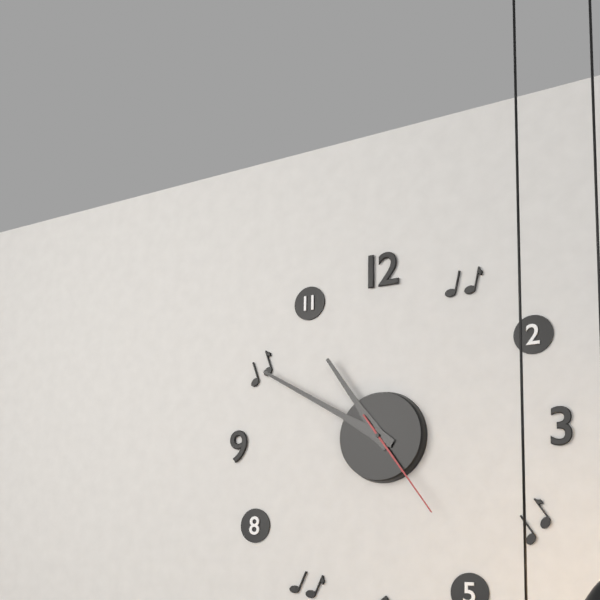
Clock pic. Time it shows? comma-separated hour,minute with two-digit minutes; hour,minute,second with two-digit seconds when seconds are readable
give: 10,50,24
